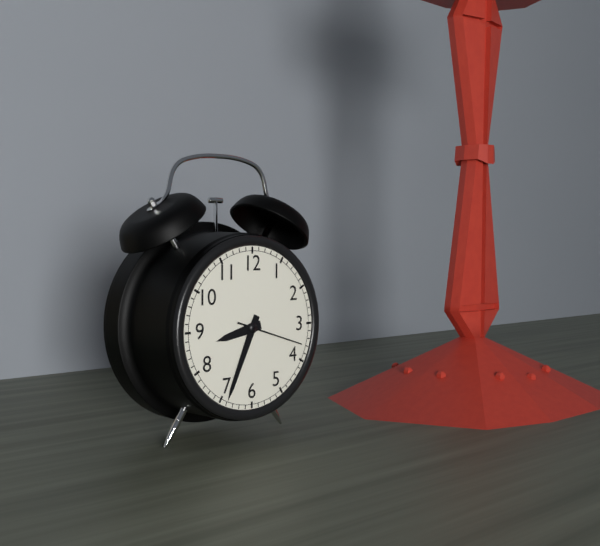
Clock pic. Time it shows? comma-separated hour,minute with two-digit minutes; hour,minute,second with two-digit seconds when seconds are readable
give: 8,34,18
